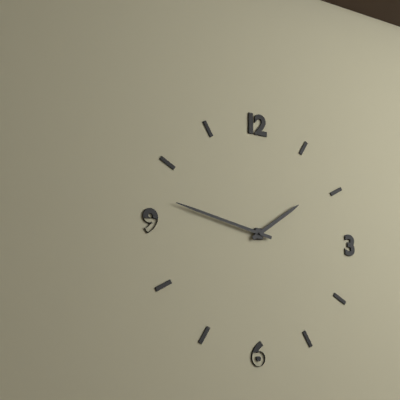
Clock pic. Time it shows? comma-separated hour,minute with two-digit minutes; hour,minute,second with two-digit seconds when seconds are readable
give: 1,47
